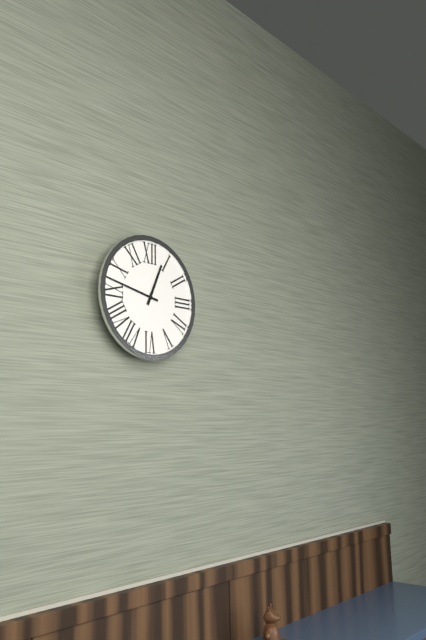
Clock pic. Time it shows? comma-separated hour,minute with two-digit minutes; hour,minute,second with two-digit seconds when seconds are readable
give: 12,47
